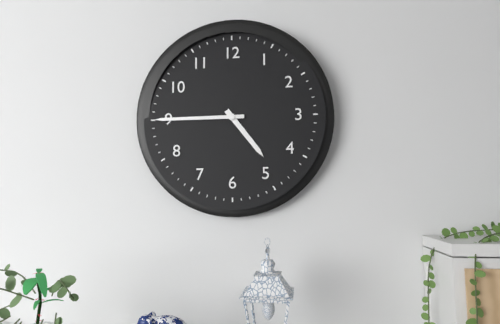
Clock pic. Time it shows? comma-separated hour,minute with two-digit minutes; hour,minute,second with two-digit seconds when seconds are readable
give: 4,45
